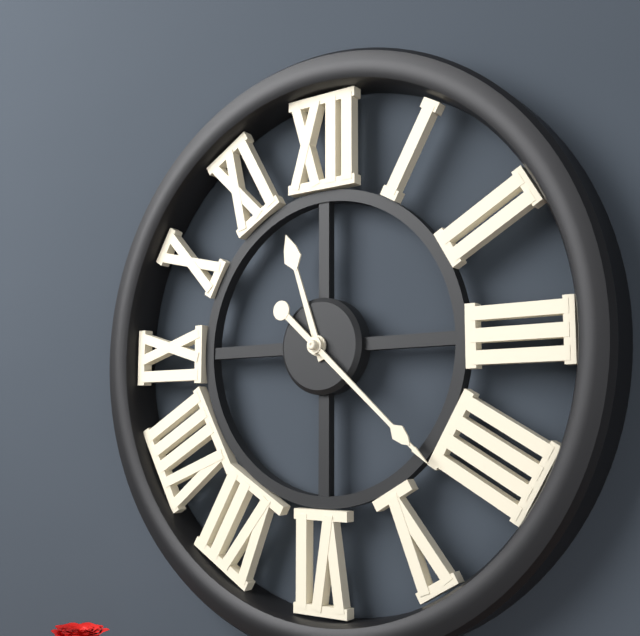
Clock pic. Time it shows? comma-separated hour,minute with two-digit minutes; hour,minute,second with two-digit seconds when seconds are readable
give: 11,22
